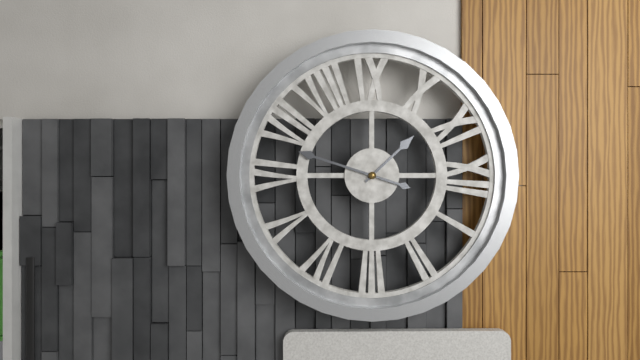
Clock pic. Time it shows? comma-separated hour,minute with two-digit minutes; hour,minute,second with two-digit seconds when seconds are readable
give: 10,33
